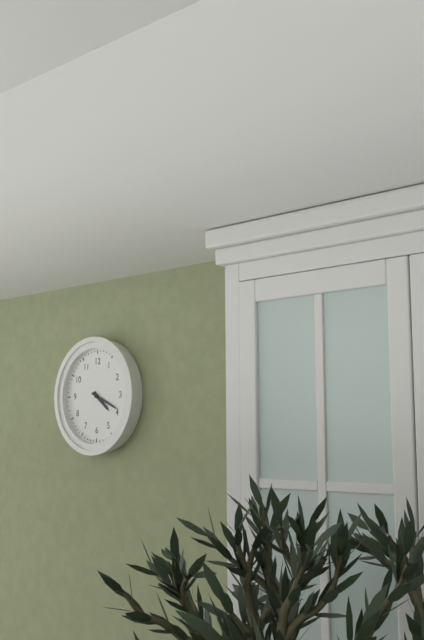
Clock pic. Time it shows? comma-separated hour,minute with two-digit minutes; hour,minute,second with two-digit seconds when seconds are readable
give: 4,19
